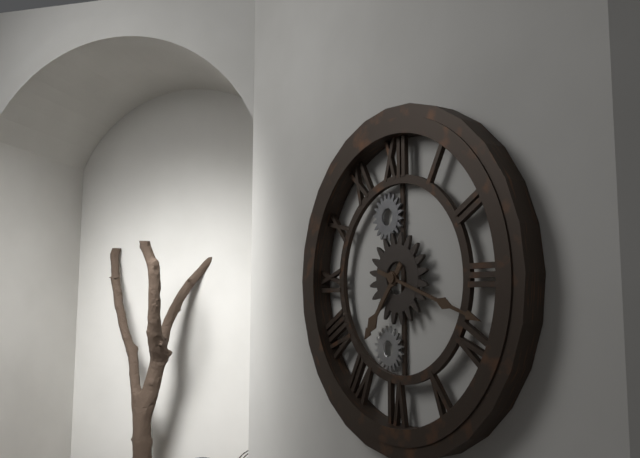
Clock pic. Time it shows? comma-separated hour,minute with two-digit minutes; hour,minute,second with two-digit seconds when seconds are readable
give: 7,18
